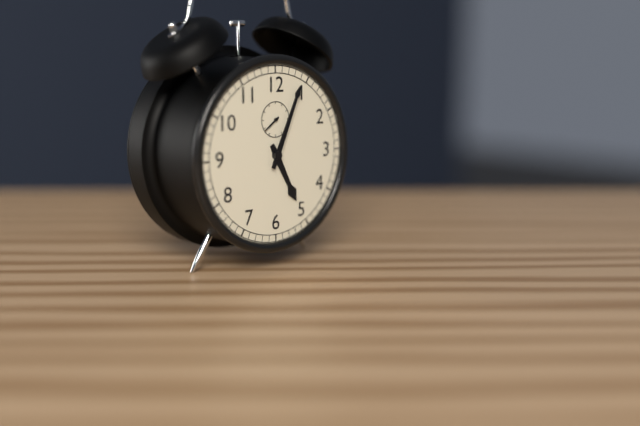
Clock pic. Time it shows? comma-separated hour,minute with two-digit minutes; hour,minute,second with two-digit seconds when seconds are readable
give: 5,04
